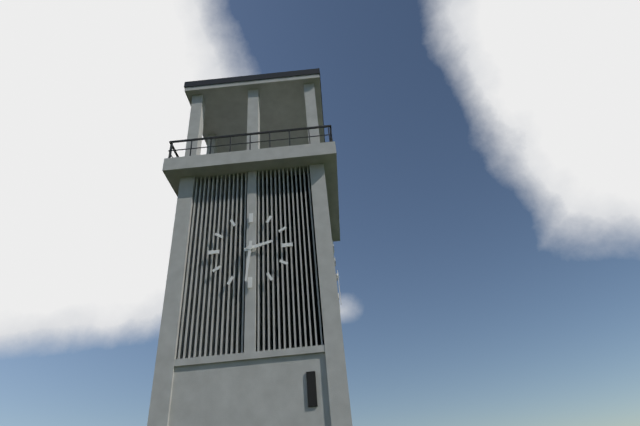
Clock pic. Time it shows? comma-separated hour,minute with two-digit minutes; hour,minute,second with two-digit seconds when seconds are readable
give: 2,31
